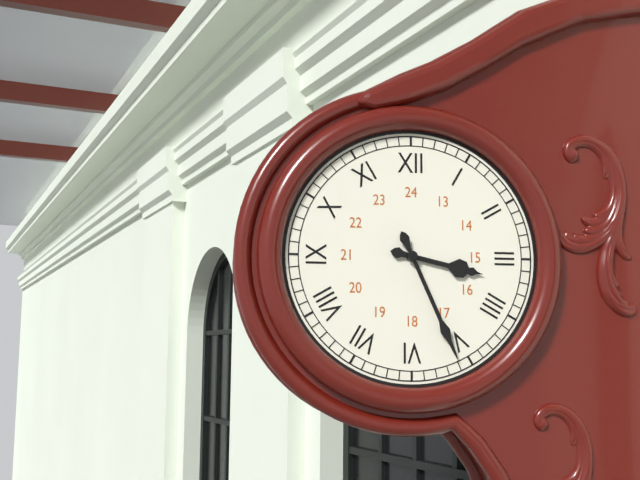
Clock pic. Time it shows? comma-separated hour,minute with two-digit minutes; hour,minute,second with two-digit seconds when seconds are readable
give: 3,26
